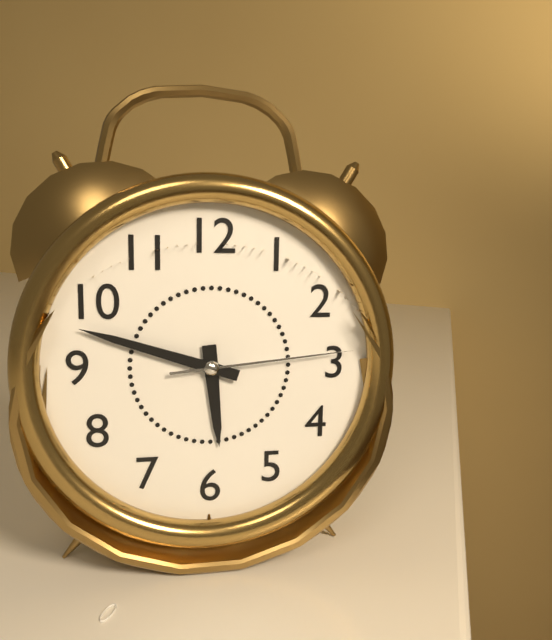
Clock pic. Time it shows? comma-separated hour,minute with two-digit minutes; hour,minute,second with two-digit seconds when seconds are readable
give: 5,48,14
